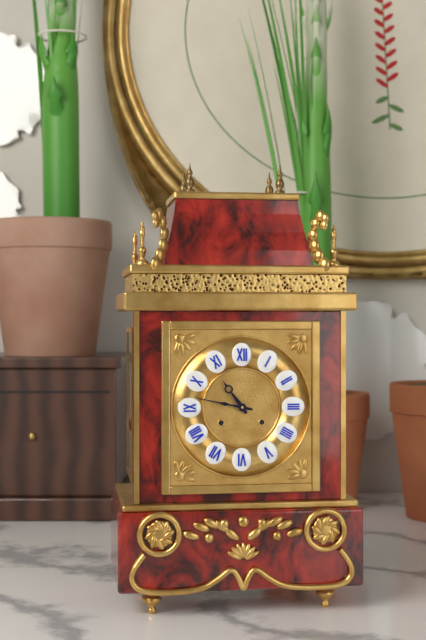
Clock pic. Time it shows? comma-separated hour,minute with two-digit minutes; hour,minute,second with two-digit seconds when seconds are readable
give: 10,47
